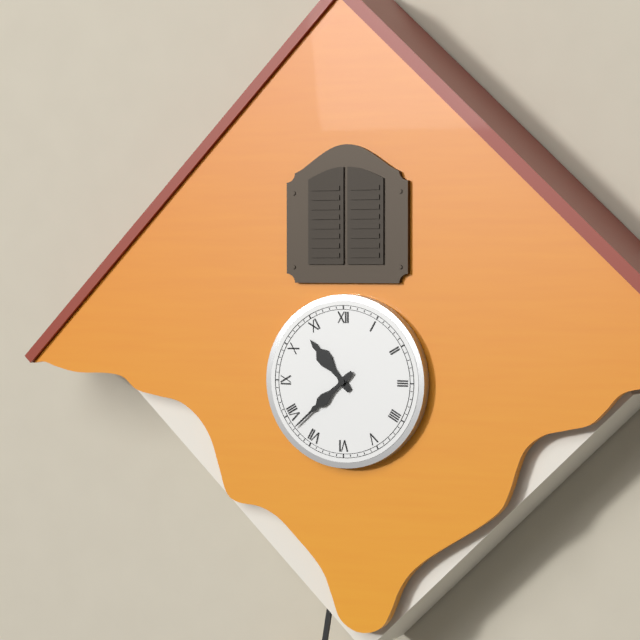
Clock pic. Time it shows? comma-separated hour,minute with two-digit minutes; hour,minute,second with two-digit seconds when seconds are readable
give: 10,38
